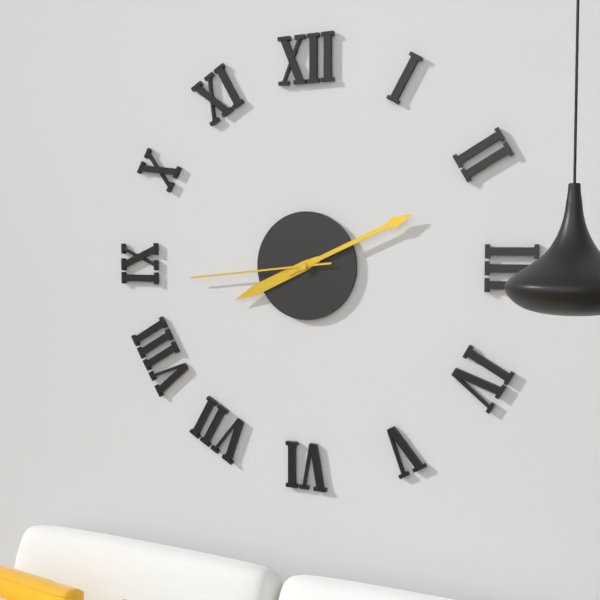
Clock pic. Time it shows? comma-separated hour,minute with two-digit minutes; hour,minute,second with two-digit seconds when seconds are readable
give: 8,11,44
